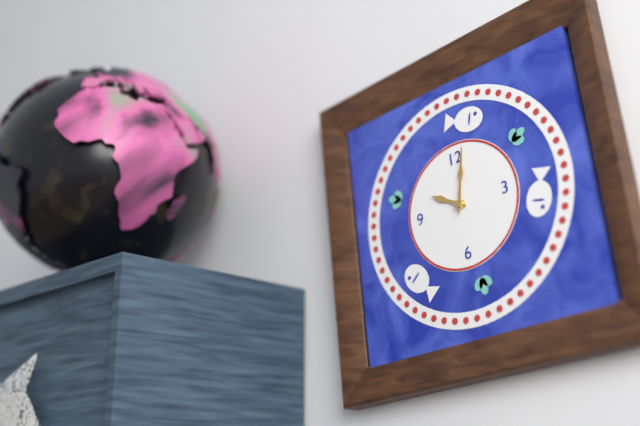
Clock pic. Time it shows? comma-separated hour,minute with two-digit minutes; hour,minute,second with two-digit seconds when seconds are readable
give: 10,02
